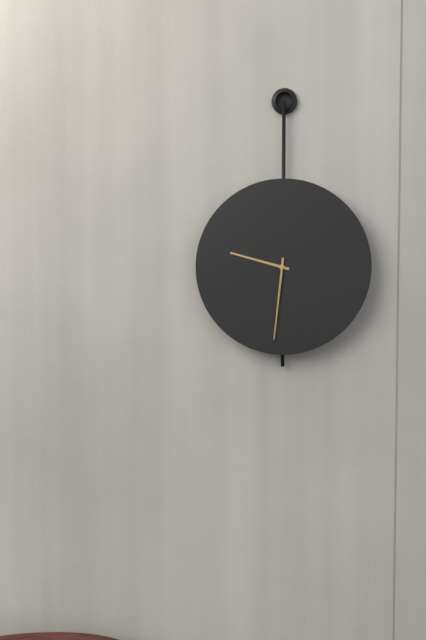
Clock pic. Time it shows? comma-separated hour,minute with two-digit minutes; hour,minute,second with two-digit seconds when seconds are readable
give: 9,31
